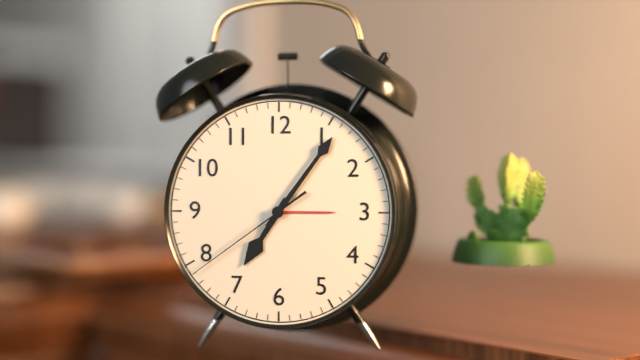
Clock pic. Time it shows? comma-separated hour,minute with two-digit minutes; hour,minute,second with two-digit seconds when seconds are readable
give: 7,06,39
